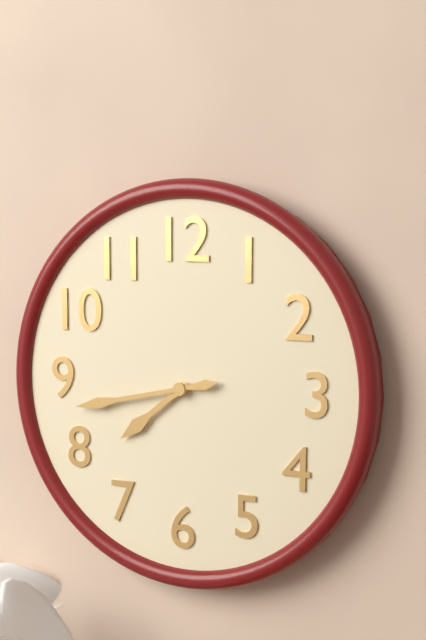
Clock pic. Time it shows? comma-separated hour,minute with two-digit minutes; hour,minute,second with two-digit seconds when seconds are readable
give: 7,43
